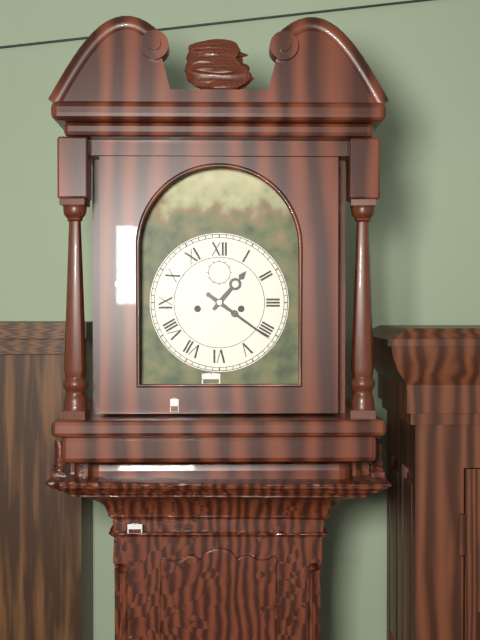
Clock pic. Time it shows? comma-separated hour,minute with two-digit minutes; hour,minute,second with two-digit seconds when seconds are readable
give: 1,21
